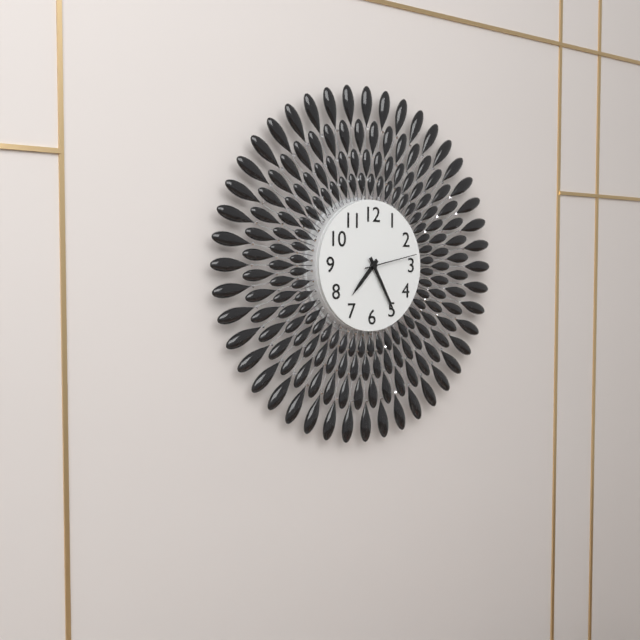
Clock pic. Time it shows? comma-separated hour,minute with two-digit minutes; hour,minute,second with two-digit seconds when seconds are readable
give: 7,25,13
